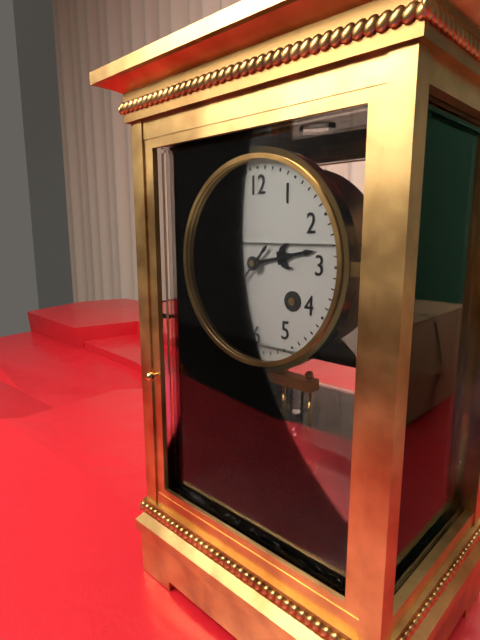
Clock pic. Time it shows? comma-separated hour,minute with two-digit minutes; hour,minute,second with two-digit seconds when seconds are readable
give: 2,37
